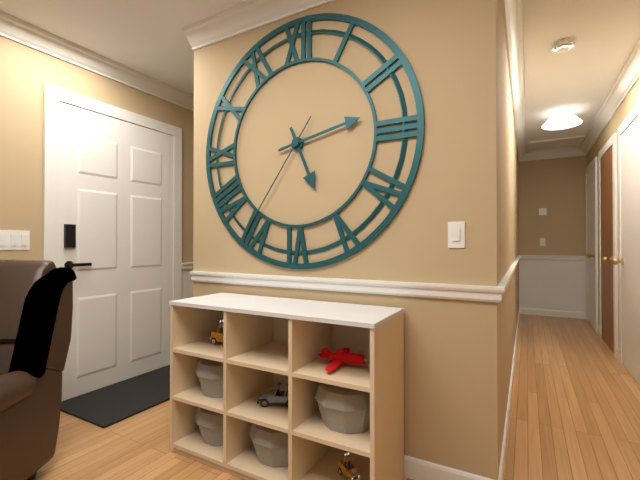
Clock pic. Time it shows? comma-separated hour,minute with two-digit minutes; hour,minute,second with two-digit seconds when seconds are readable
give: 5,13,36
